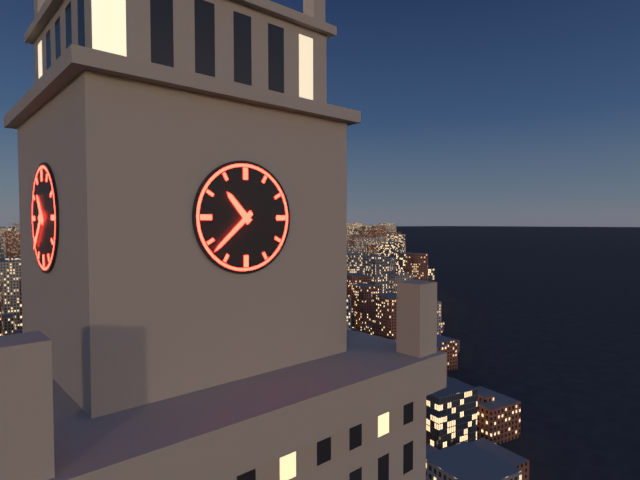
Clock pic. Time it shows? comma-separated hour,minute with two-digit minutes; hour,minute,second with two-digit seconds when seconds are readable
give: 10,38
